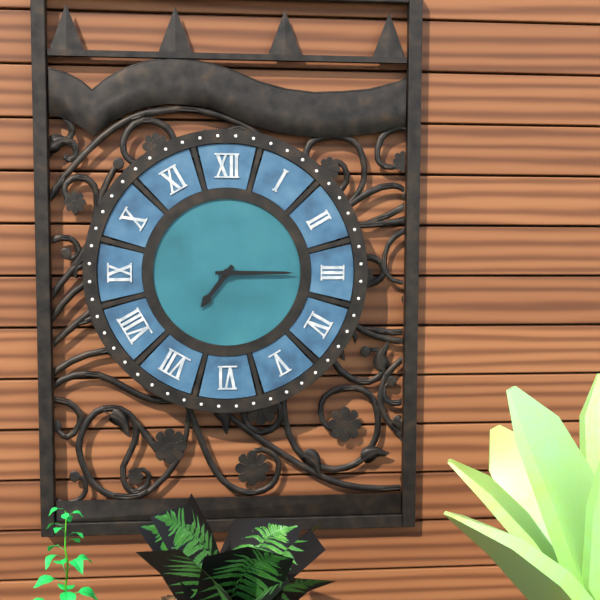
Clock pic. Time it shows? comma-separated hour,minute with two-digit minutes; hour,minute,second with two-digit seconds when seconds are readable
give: 7,15
